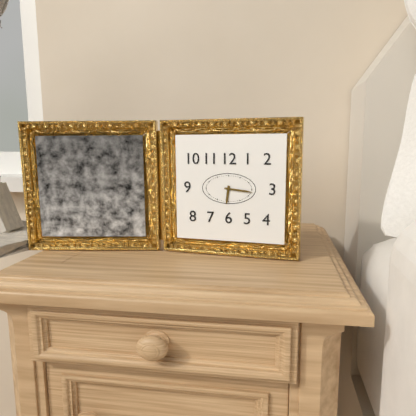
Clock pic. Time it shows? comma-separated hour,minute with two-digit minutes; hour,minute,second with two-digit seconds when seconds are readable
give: 6,16
